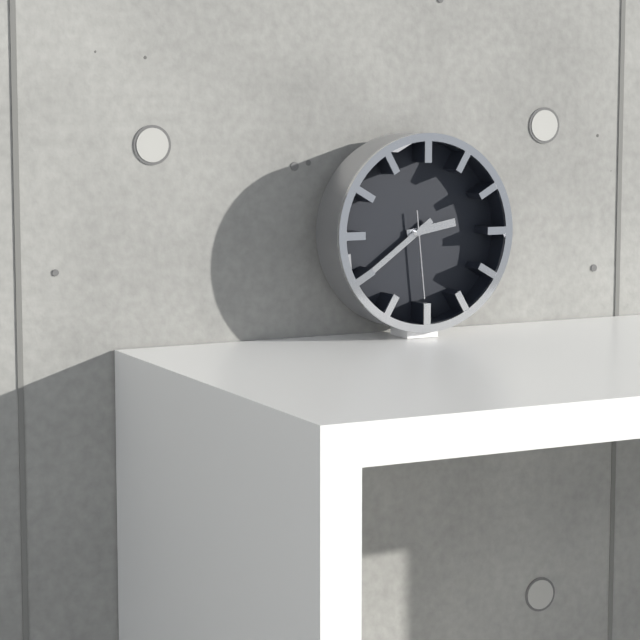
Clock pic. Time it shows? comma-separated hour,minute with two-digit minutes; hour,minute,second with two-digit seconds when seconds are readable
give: 2,39,29
